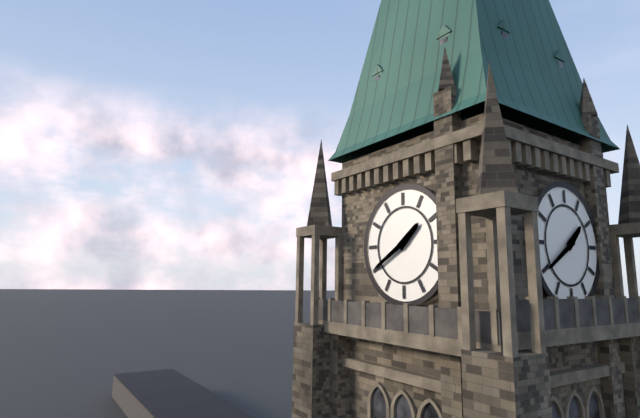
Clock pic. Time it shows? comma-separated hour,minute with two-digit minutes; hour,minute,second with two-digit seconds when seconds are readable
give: 1,40
